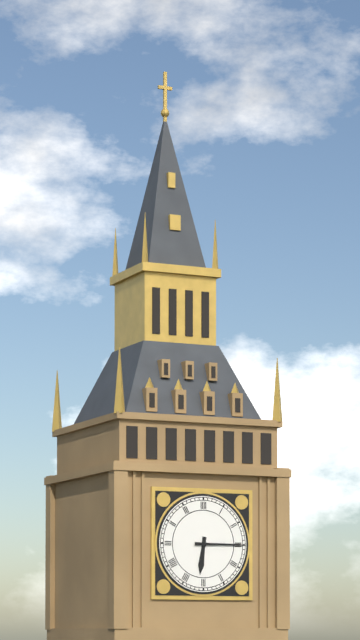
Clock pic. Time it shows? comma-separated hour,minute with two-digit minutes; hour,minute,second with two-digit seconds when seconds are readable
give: 6,15
